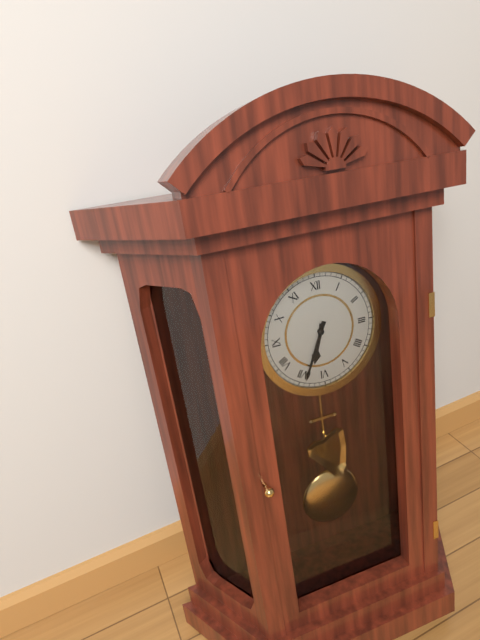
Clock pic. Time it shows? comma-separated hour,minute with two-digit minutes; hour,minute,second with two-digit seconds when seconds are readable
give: 6,34
